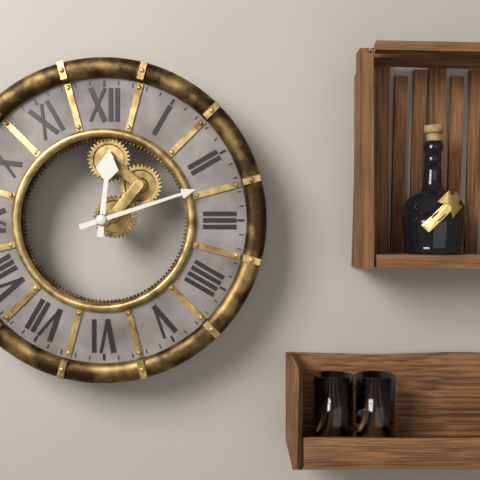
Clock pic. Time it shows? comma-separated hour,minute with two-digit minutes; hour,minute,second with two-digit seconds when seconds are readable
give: 12,12
